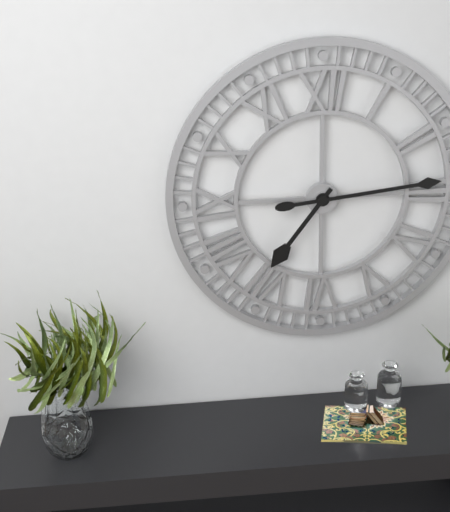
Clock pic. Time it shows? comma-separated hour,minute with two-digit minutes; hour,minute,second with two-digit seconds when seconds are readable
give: 7,14
